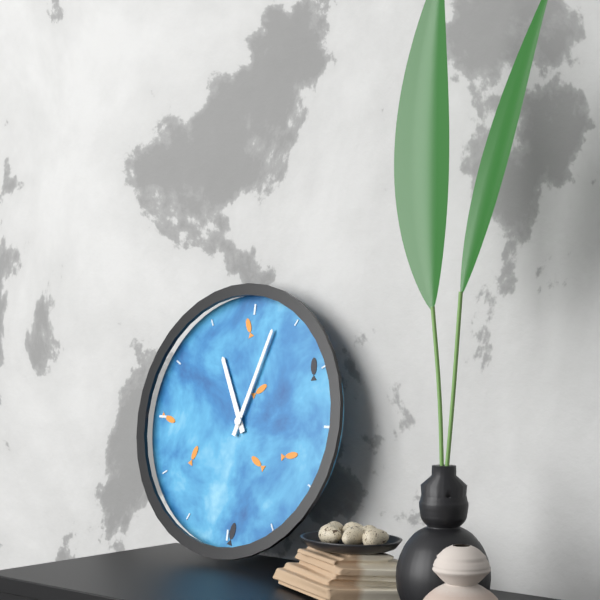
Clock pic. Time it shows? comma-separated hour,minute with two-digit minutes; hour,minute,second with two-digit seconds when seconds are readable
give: 11,03
